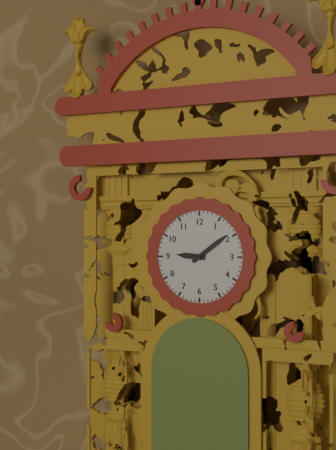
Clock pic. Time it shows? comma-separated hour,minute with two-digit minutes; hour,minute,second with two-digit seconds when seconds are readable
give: 9,09
